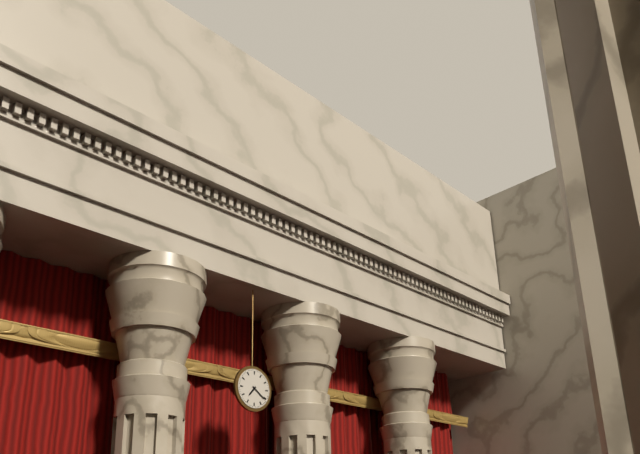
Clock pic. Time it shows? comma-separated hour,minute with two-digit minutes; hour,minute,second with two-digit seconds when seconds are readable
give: 7,21
